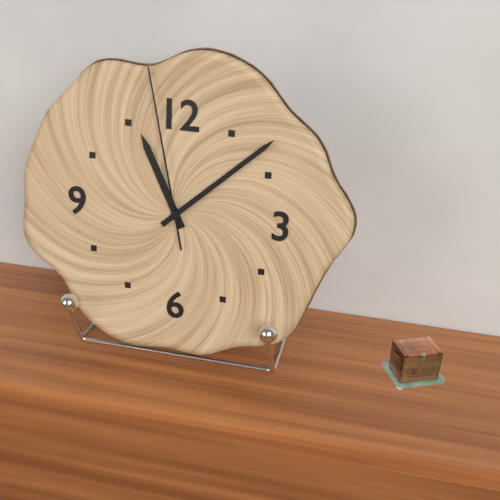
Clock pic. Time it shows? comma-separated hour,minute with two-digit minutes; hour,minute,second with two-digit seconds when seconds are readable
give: 11,08,58
